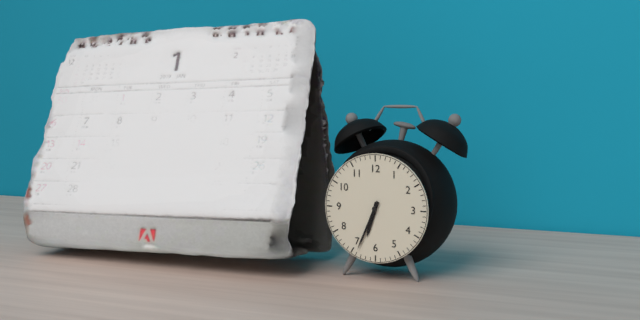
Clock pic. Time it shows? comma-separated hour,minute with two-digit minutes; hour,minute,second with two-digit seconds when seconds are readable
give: 6,34
